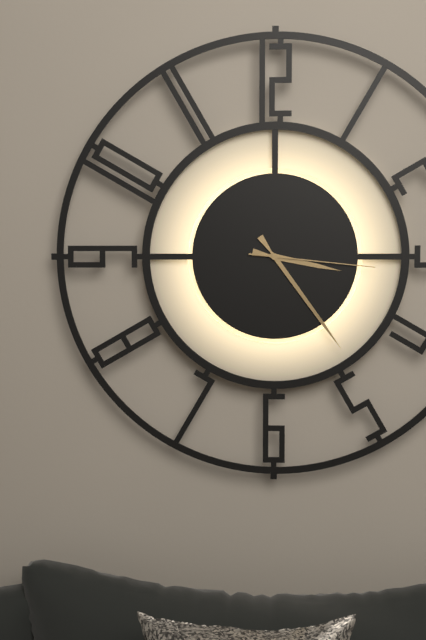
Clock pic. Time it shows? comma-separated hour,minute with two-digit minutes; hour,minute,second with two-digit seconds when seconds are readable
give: 3,24,16
